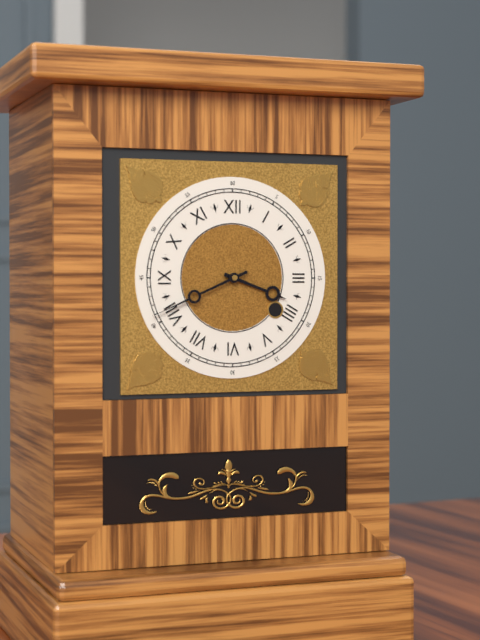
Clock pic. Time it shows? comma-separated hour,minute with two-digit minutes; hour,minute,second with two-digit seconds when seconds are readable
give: 3,41
